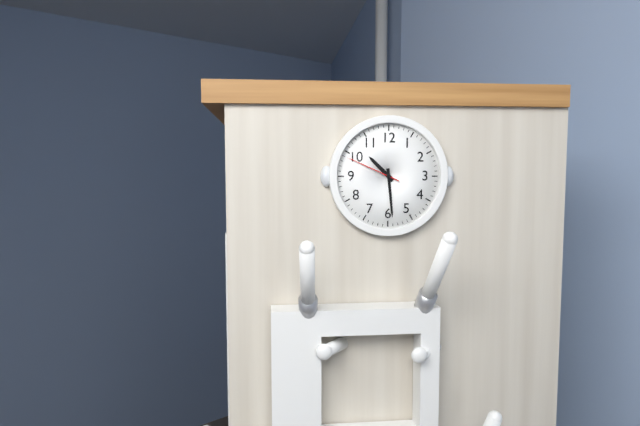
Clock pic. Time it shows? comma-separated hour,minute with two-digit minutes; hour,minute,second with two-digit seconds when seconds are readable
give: 10,29,49
